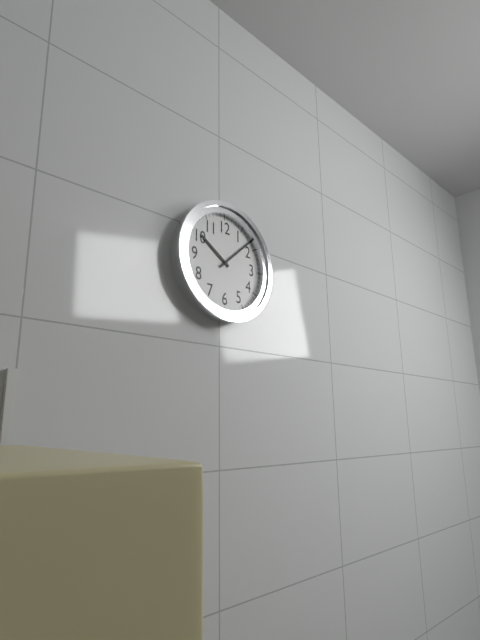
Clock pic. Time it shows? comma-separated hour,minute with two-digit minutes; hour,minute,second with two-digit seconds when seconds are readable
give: 10,08
